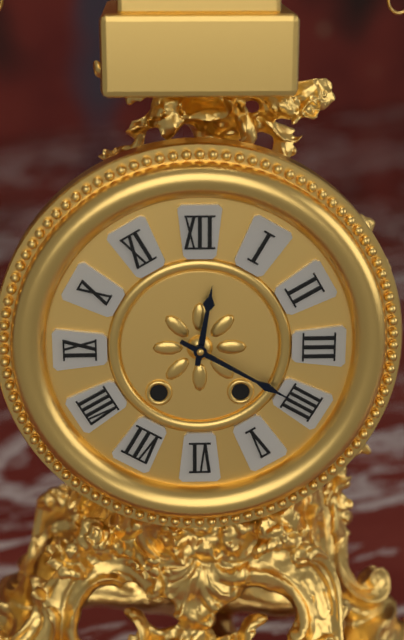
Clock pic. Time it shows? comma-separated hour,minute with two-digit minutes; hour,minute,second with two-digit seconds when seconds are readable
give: 12,20
